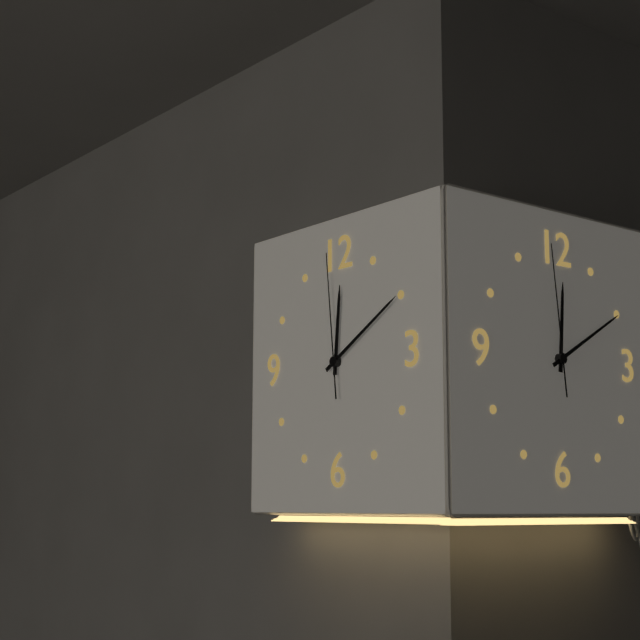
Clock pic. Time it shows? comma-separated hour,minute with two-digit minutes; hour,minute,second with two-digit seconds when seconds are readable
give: 12,10,59
